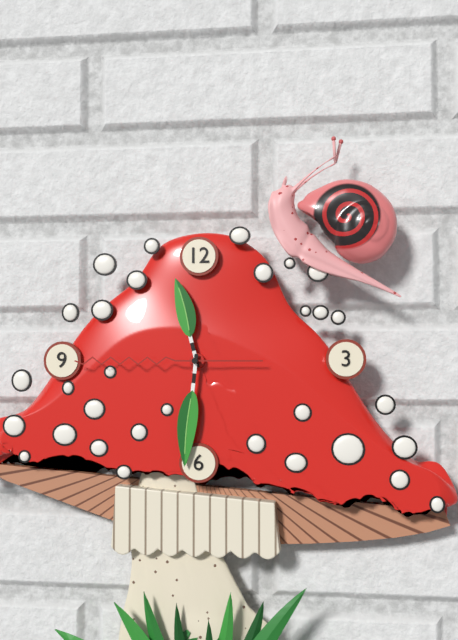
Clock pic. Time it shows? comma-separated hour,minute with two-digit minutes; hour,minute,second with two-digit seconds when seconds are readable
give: 11,31,45
